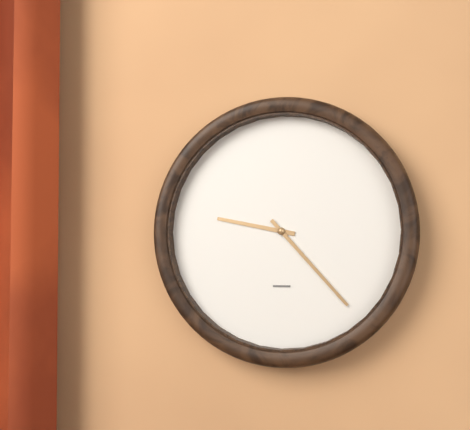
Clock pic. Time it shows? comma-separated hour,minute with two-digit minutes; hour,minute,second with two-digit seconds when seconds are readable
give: 9,23
